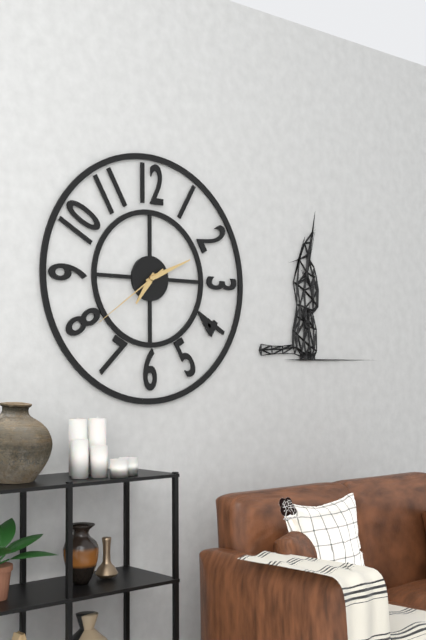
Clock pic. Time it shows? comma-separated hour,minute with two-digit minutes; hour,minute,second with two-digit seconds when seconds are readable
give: 7,11,39
